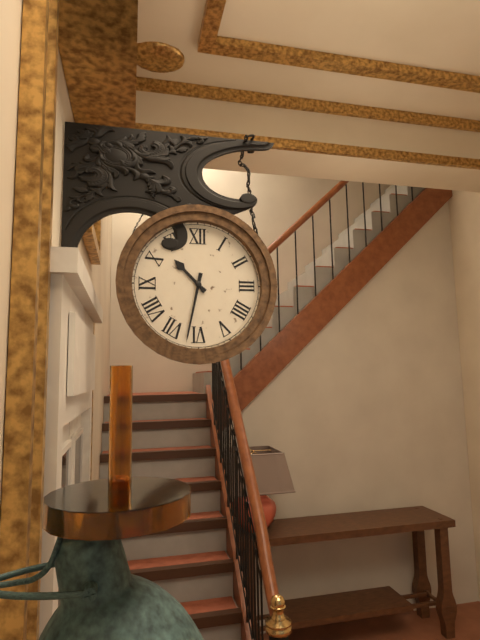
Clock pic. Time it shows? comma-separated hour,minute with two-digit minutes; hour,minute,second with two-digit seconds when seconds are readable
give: 10,32
